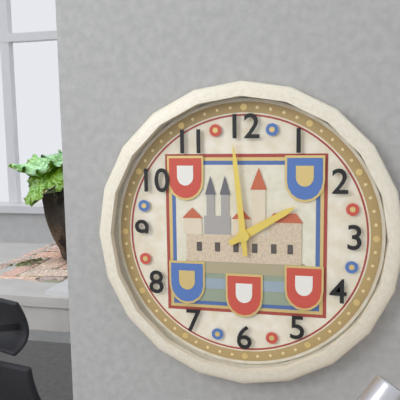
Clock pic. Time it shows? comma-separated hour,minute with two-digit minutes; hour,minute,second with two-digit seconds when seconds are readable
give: 1,59
